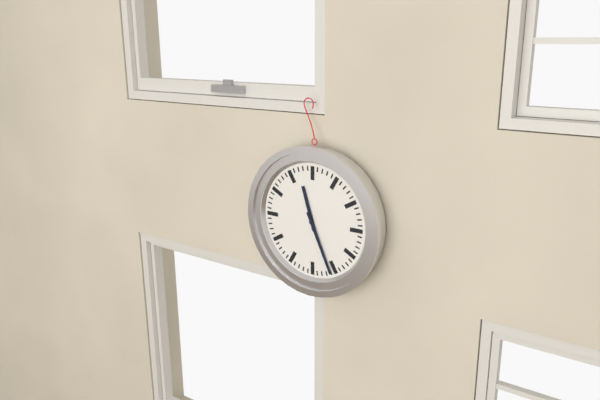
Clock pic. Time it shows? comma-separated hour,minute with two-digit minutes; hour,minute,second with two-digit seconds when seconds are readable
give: 11,26
